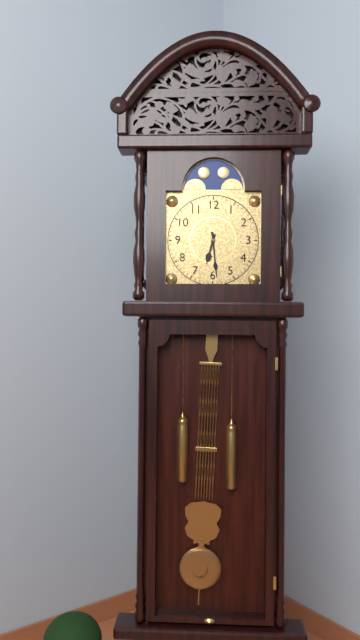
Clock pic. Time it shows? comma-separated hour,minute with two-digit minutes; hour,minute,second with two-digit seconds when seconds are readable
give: 6,29
